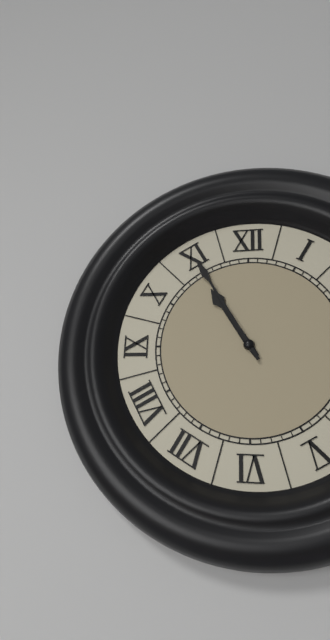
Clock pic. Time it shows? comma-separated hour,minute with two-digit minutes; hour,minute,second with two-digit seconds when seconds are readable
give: 10,55
